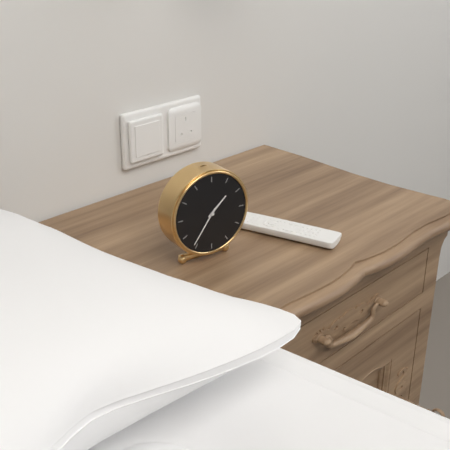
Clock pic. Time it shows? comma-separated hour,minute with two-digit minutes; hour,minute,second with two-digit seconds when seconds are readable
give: 1,36
